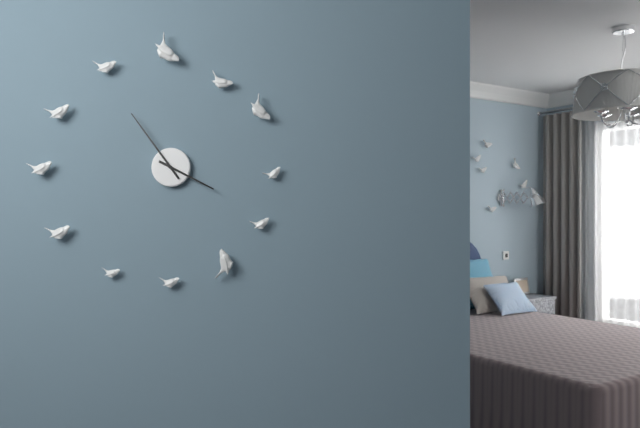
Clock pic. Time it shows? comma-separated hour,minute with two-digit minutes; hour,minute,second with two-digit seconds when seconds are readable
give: 3,54
